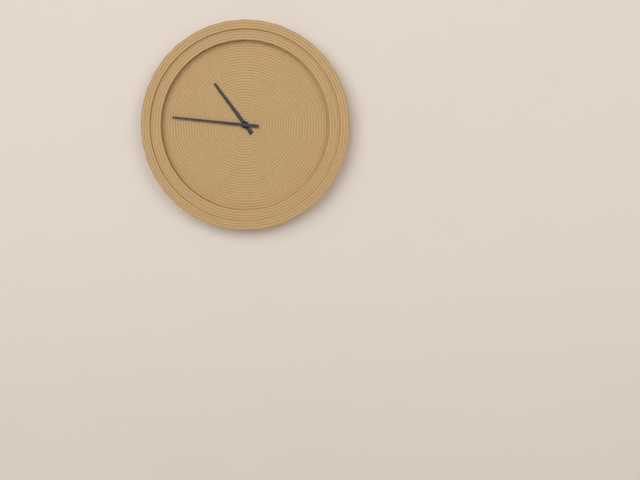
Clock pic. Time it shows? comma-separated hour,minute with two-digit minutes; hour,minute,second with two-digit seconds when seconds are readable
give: 10,46
